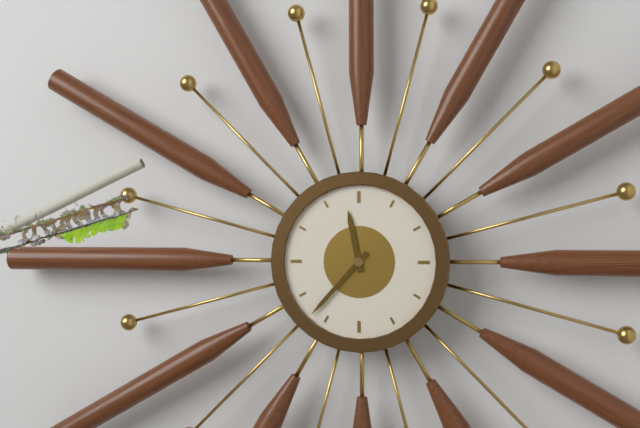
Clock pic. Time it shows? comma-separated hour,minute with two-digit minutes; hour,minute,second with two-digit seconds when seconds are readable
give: 11,37
